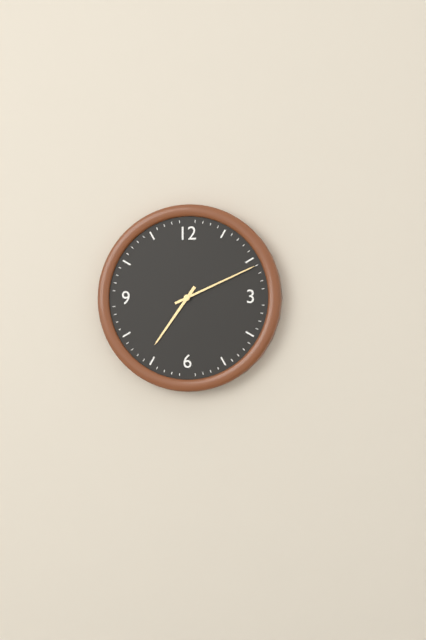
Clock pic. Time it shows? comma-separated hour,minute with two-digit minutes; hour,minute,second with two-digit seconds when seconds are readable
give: 7,11
